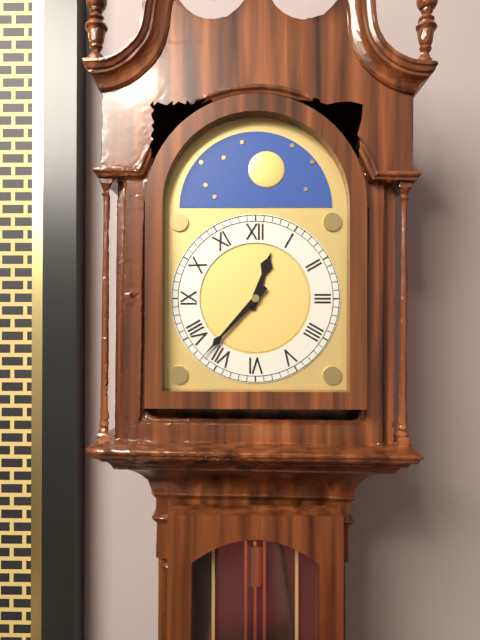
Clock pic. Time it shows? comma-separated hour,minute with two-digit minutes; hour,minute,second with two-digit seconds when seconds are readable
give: 12,37
